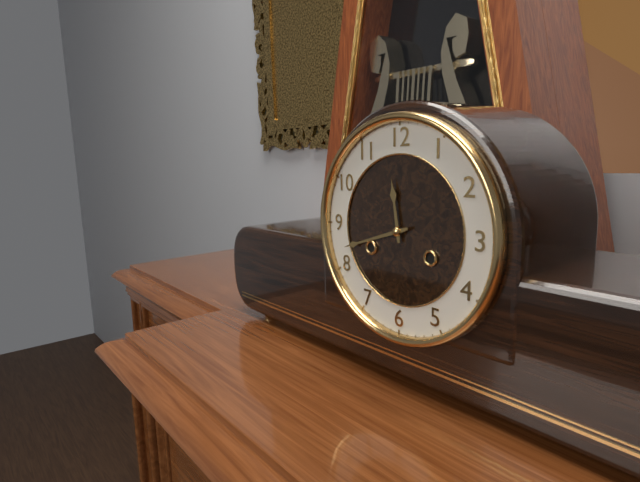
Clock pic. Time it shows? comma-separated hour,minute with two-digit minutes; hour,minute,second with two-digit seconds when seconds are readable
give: 11,42
